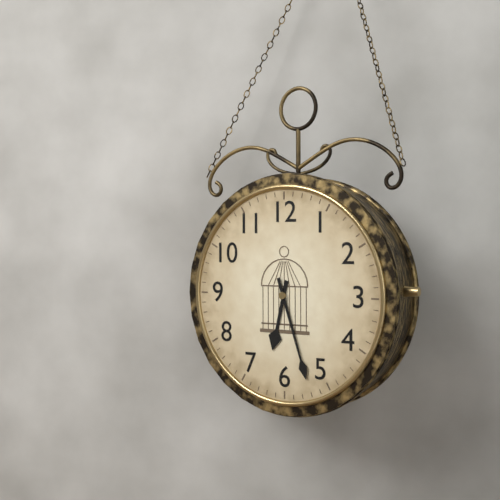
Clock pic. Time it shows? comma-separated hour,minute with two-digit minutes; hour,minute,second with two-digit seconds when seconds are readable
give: 6,27
